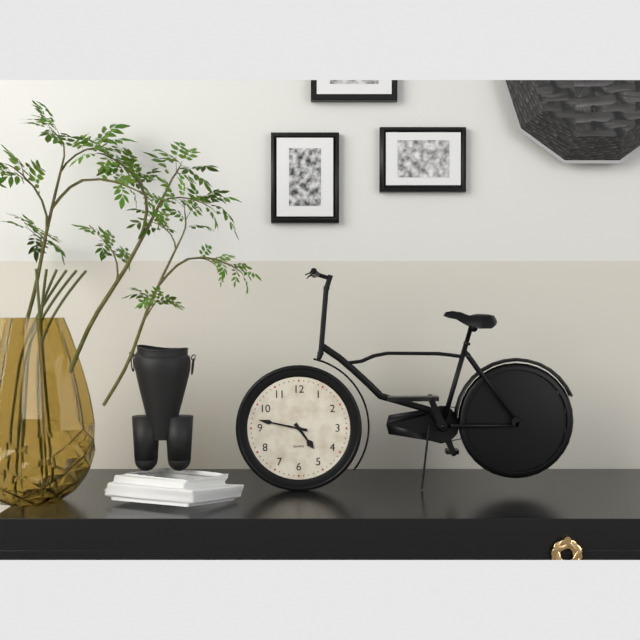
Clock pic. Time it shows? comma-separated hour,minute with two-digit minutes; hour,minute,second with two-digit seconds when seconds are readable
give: 4,47
